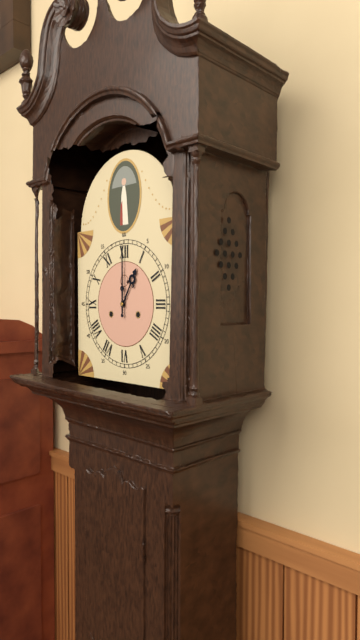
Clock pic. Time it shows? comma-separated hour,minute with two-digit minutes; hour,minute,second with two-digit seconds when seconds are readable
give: 1,00
